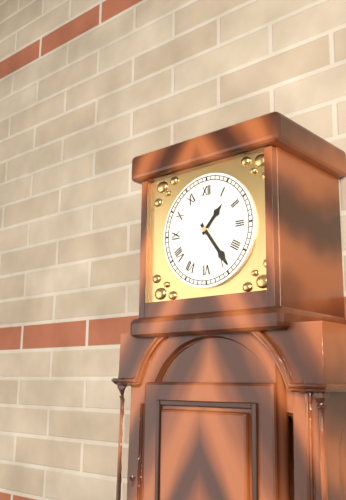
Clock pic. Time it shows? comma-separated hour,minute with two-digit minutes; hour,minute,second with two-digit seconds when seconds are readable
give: 1,24
